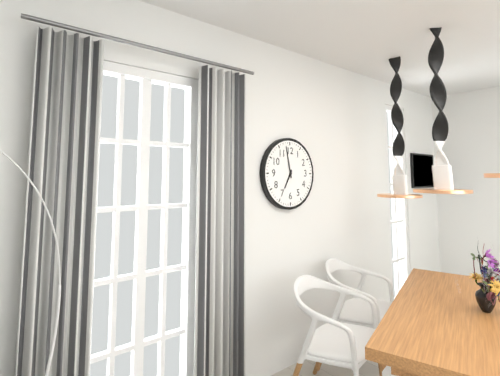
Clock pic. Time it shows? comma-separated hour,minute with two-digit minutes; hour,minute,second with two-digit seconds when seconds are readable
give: 6,58
